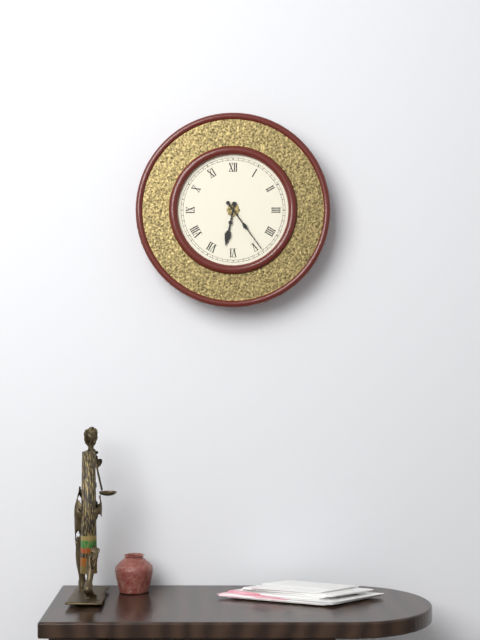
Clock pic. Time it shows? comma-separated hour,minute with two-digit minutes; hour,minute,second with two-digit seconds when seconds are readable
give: 6,24
